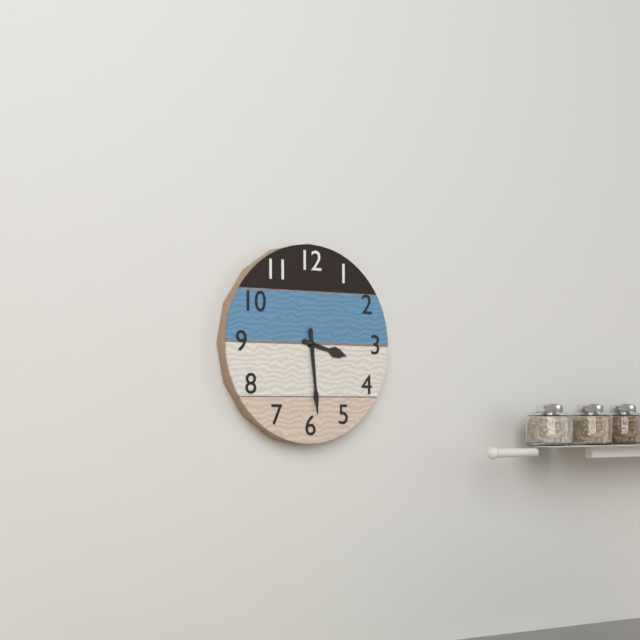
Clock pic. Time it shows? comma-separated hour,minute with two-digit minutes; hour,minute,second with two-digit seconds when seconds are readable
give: 3,29
